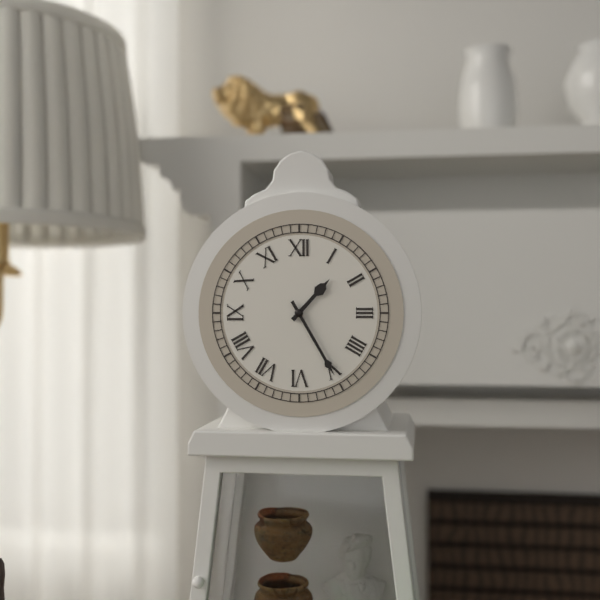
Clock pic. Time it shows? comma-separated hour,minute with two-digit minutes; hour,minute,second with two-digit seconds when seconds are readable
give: 1,25
